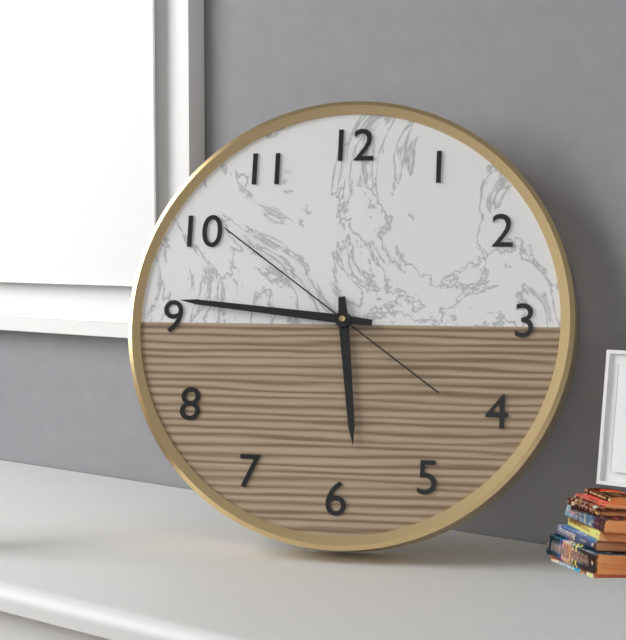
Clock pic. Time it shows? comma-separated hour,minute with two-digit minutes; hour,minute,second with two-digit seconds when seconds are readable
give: 5,46,51
